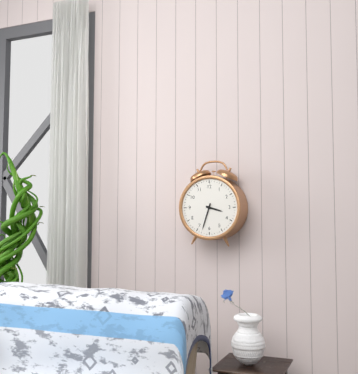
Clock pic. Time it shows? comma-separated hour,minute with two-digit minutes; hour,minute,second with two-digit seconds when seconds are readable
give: 3,33
